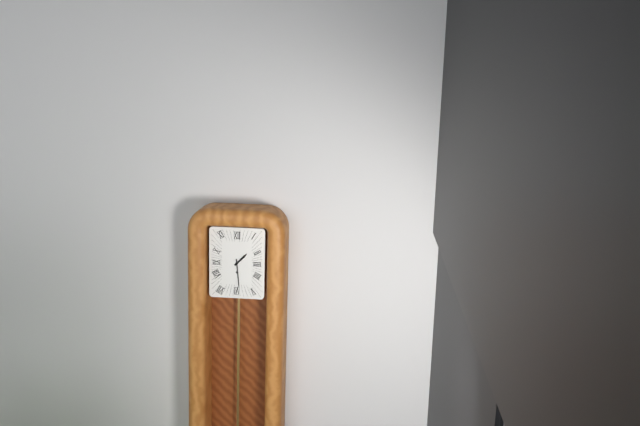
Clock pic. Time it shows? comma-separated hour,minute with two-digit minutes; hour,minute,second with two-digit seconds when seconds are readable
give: 1,29
